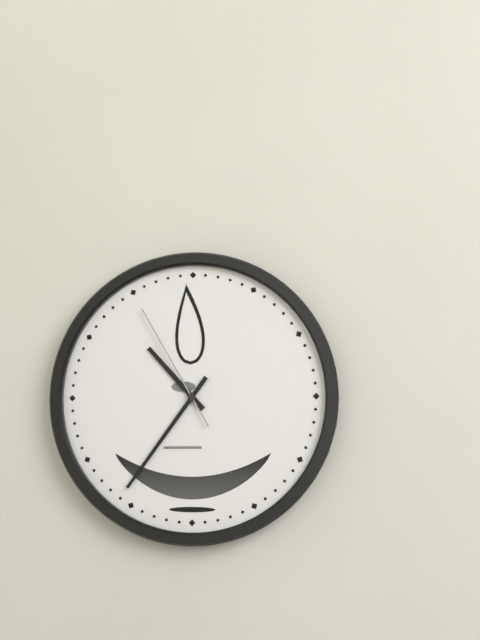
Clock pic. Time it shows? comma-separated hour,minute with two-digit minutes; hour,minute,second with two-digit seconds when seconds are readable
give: 10,36,55
